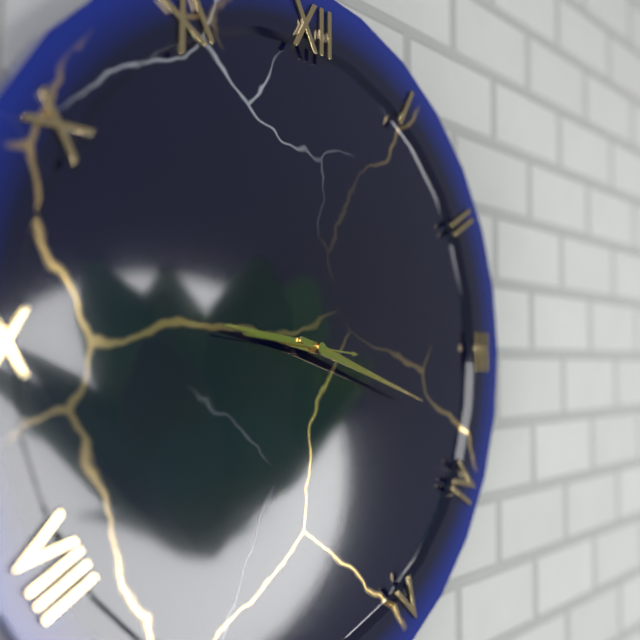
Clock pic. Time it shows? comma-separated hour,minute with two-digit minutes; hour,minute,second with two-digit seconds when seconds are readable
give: 9,18,46
